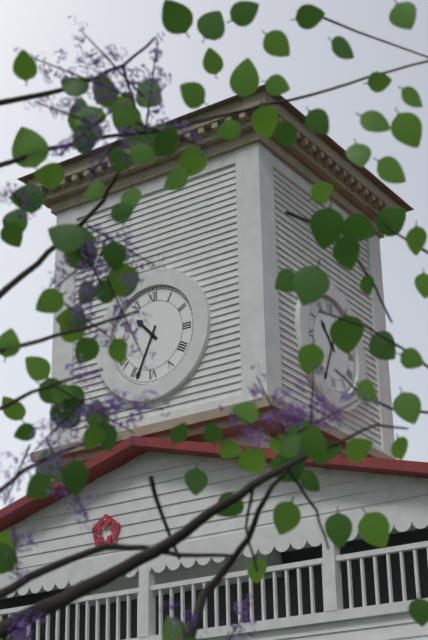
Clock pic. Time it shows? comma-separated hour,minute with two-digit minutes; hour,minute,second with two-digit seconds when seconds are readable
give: 10,34
